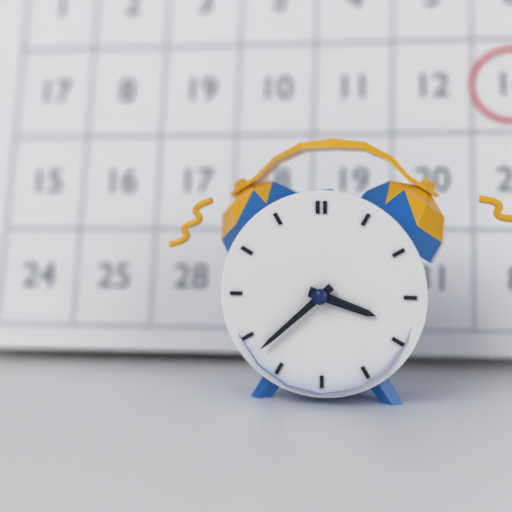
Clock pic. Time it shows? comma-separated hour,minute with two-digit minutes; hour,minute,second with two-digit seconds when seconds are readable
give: 3,38
